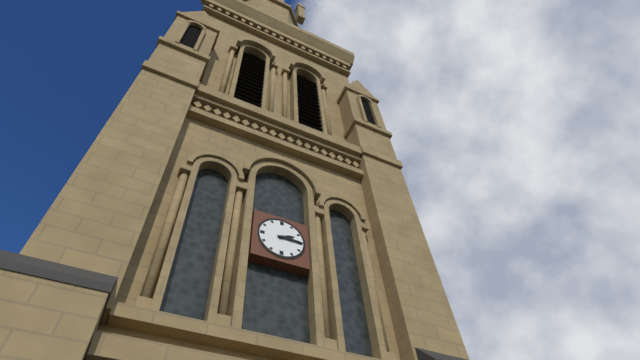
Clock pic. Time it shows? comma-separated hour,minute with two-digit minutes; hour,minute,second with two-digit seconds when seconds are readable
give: 2,15
